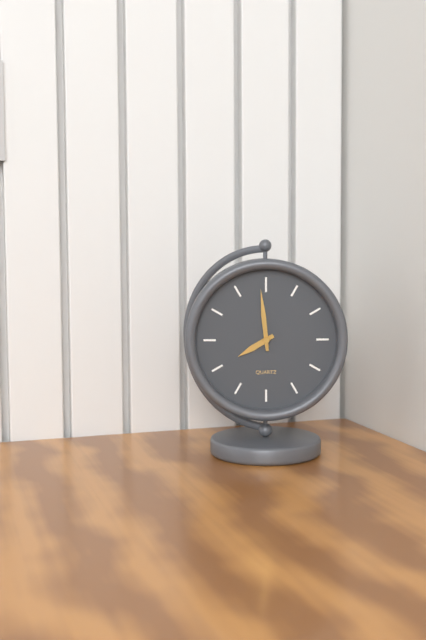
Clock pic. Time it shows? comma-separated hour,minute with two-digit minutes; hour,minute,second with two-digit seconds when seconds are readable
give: 7,59
